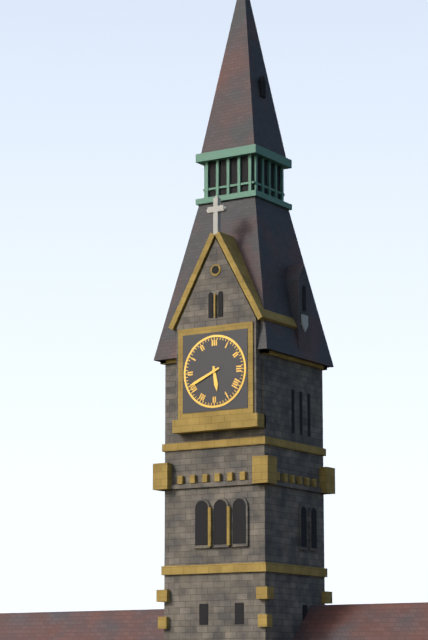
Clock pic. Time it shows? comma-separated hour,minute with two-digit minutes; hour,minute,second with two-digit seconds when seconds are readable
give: 5,41
